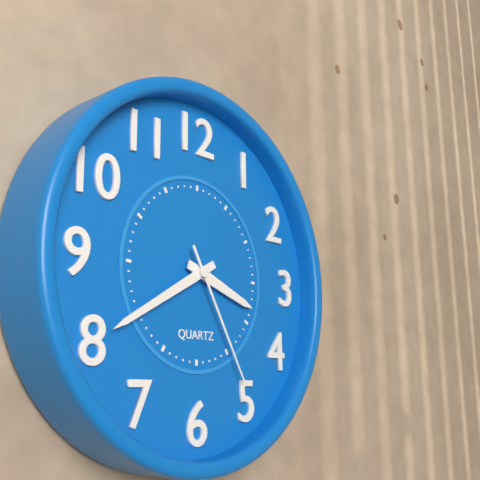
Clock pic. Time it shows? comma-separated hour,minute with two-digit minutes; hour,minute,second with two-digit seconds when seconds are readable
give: 3,40,25
